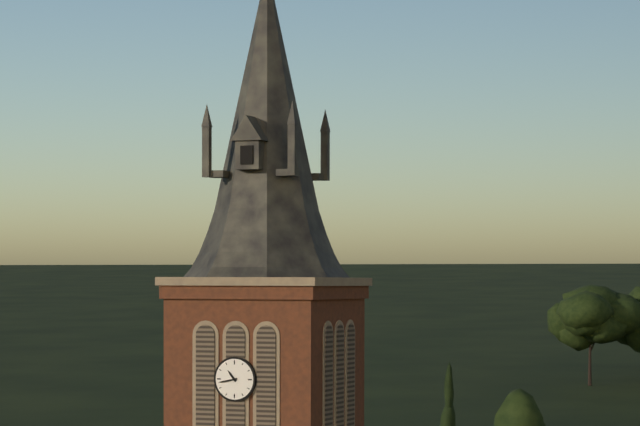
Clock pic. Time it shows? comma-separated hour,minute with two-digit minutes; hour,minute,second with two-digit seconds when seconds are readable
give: 10,43
